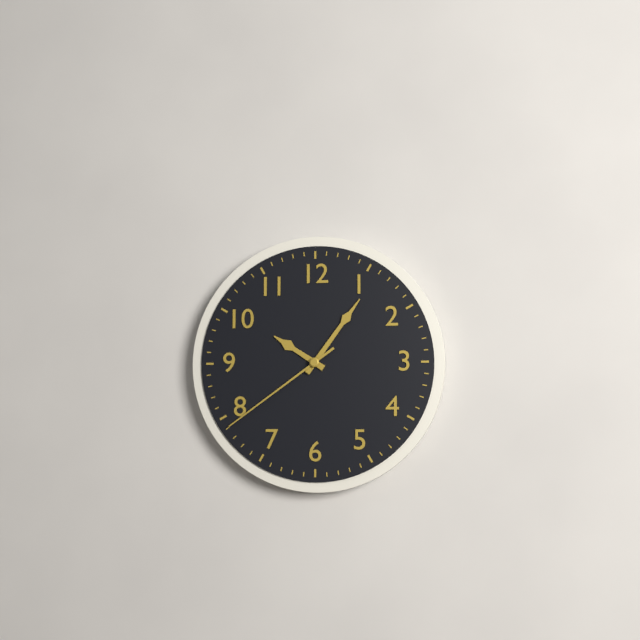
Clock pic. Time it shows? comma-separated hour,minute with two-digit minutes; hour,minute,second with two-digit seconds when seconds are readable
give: 10,06,39
